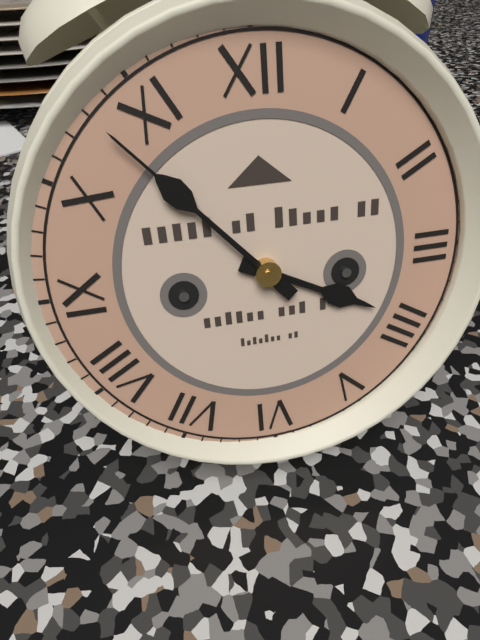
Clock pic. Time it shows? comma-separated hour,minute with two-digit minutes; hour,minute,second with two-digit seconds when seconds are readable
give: 3,53
